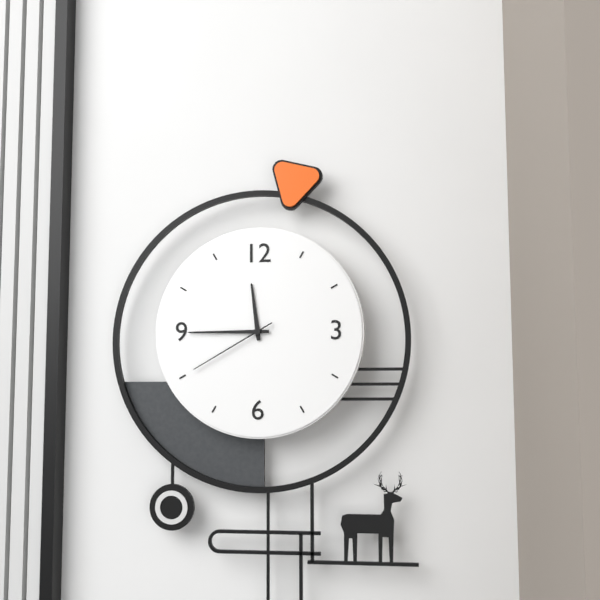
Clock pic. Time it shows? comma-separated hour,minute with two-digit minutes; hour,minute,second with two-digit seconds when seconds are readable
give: 11,45,40
